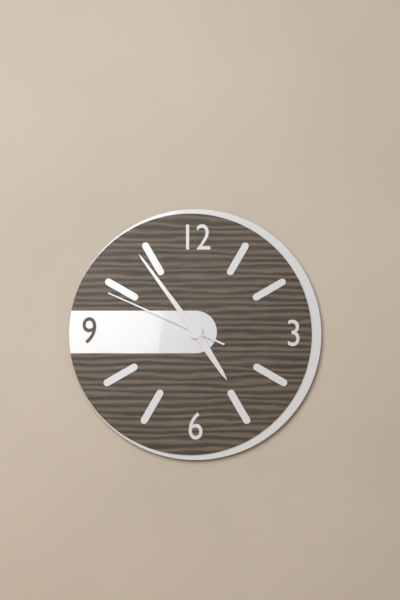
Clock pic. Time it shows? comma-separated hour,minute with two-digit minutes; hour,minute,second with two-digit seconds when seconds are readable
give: 4,54,49
